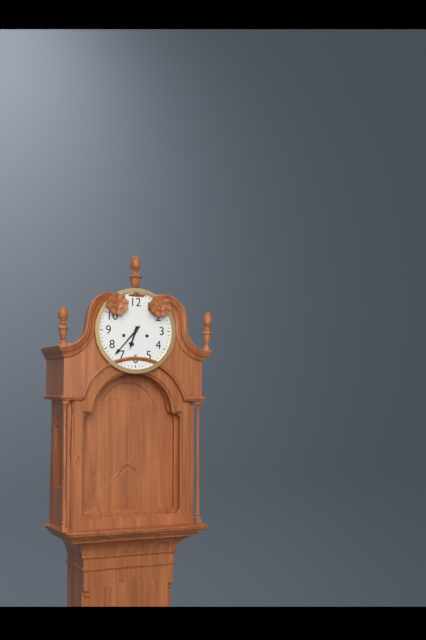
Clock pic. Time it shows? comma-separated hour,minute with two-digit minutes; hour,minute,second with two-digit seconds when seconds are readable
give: 6,37
